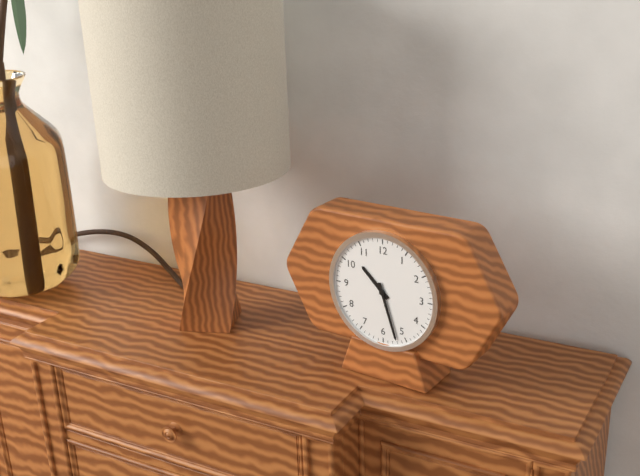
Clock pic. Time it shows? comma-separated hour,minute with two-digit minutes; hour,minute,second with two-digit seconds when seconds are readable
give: 10,27
